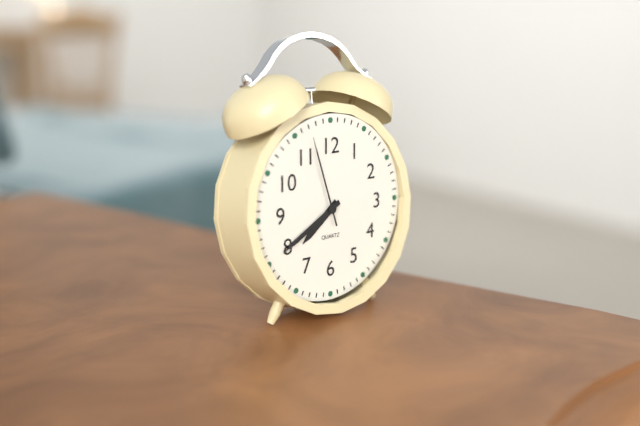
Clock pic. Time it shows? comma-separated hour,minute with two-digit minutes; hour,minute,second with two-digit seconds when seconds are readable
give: 7,40,57
